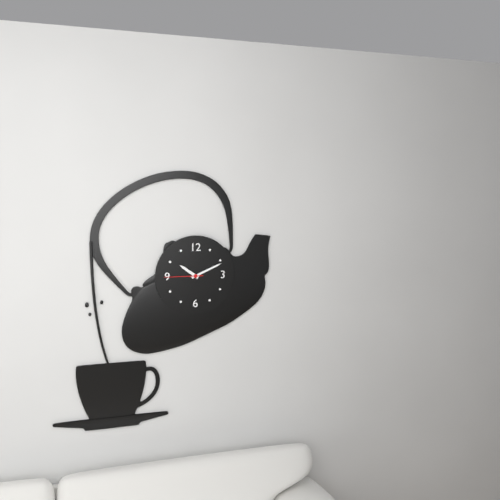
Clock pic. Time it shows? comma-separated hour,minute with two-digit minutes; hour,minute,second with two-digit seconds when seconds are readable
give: 10,11
